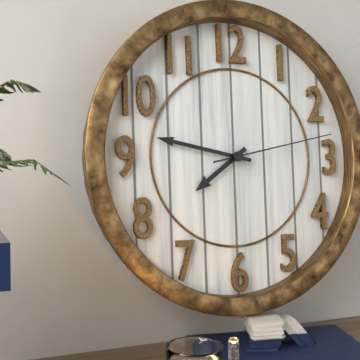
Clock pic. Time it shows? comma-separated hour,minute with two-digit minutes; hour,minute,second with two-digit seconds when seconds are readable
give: 7,47,13
